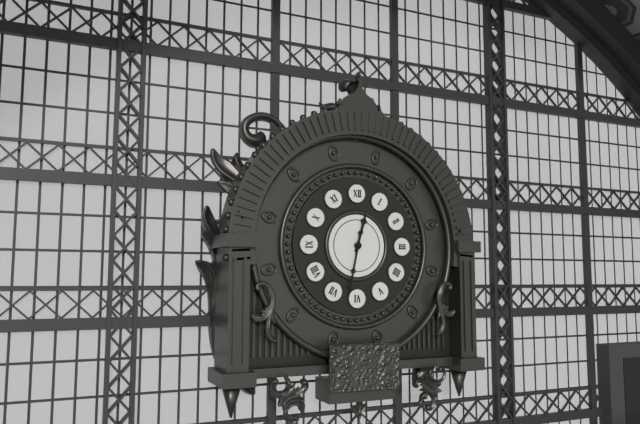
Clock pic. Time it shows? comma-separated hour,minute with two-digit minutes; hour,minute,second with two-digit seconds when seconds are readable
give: 12,32
